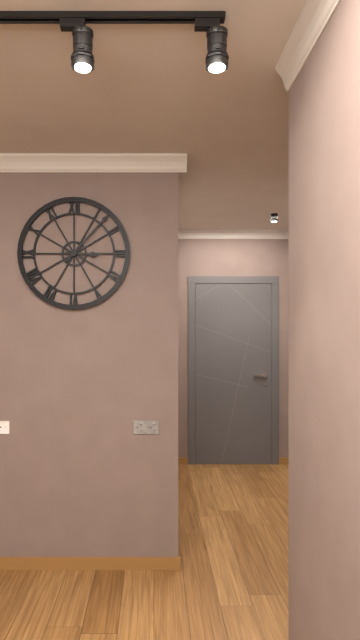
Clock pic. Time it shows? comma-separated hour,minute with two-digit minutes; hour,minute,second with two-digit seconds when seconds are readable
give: 3,07
